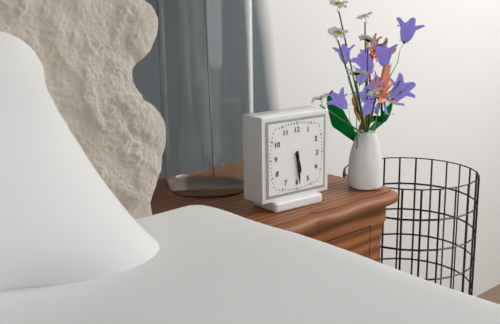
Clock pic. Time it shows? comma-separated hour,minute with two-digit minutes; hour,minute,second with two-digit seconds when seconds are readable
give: 5,29
